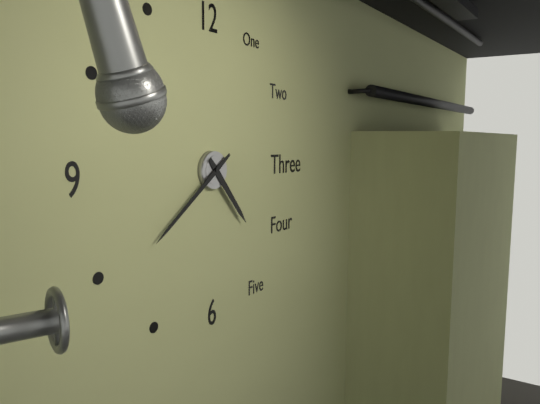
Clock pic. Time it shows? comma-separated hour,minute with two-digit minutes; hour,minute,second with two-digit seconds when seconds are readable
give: 4,39
